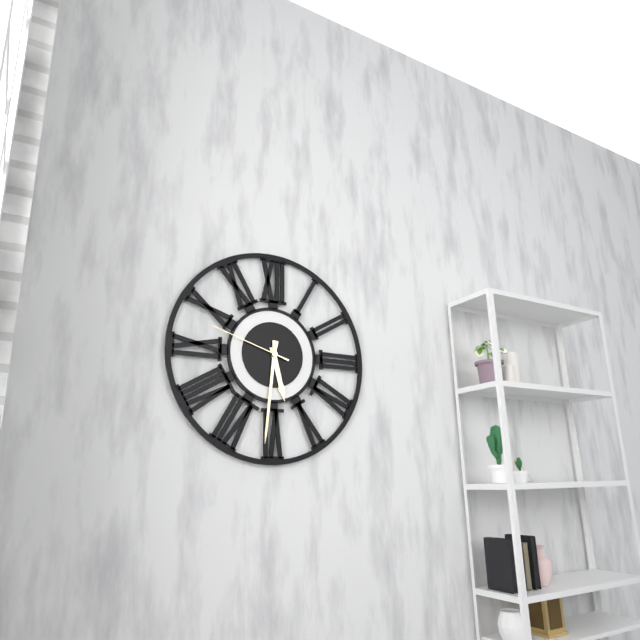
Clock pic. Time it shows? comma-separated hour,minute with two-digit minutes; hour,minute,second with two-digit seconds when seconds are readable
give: 5,31,48
